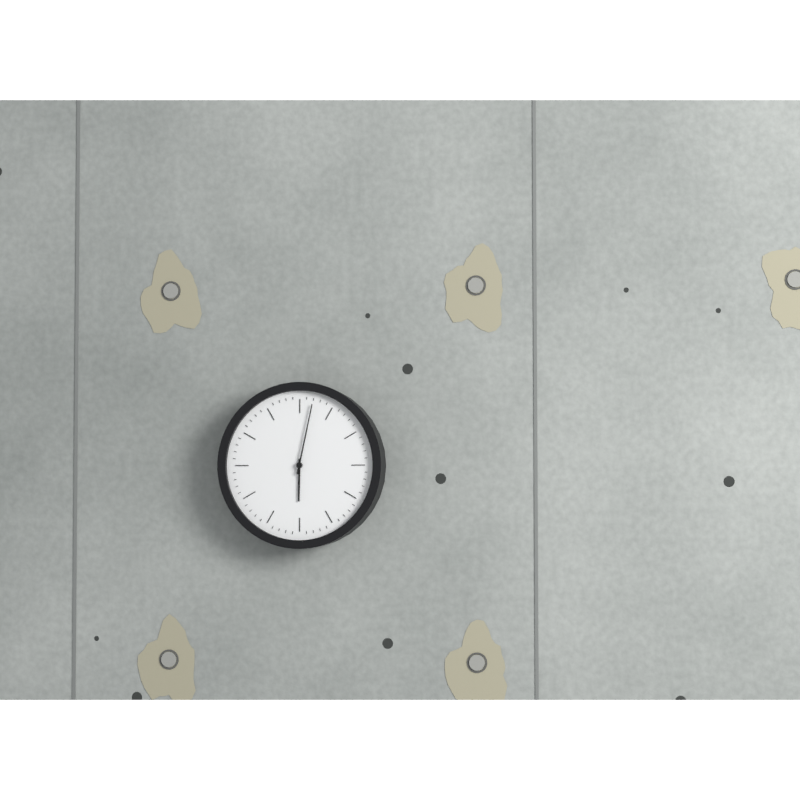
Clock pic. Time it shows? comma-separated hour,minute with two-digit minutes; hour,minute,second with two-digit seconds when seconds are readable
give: 6,02
